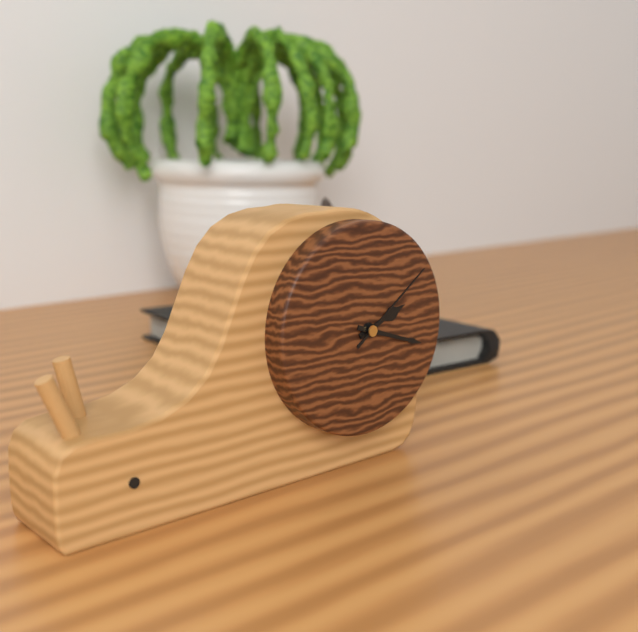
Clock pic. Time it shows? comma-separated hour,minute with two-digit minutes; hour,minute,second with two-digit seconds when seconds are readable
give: 2,18,09
